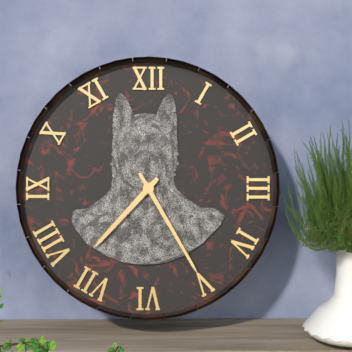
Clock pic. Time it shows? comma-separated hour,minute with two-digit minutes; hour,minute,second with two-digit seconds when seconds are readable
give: 7,25
